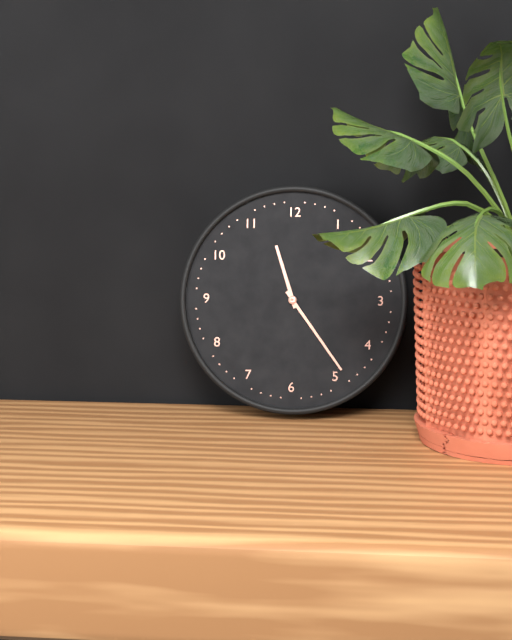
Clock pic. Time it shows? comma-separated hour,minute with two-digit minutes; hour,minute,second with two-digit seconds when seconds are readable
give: 11,24
